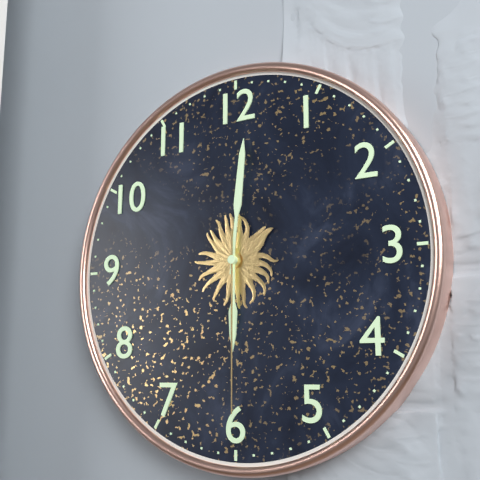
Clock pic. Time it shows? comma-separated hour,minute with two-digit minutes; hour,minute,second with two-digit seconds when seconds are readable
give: 6,01,30
